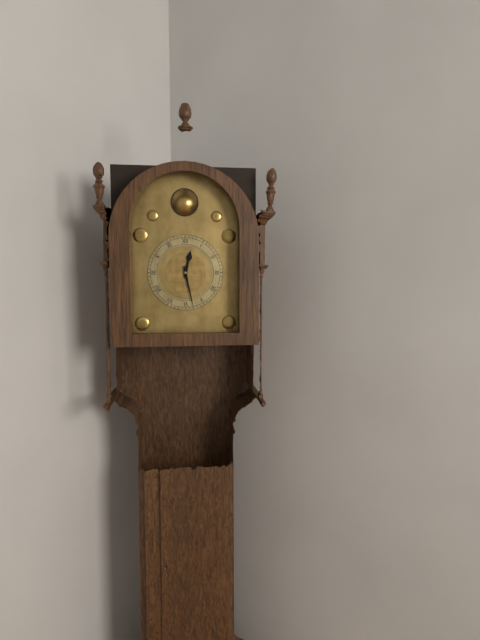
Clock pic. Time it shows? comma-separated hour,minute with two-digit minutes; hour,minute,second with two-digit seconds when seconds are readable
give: 12,28
